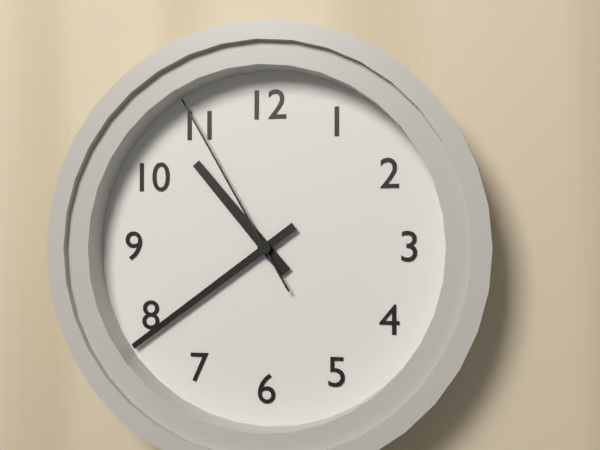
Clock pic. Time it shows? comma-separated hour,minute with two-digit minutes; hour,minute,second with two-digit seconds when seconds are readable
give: 10,39,55
